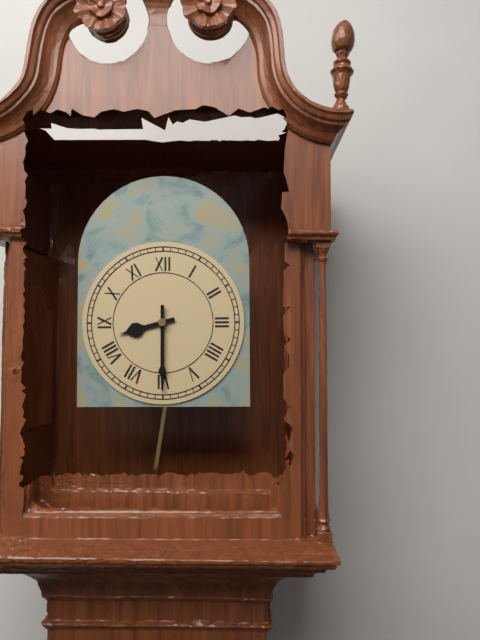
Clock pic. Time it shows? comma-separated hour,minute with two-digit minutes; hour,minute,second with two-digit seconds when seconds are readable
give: 8,30
